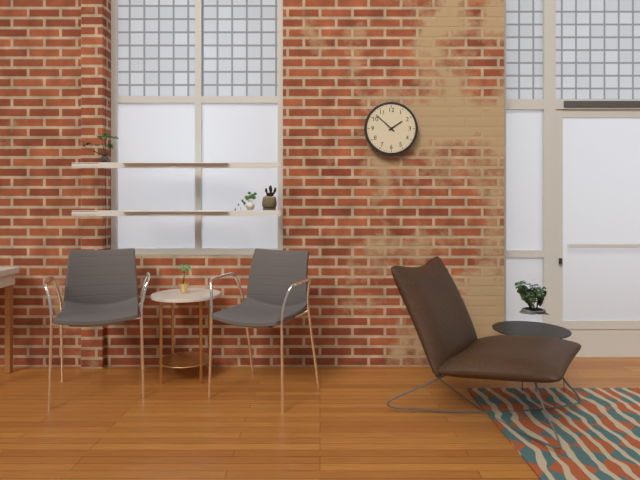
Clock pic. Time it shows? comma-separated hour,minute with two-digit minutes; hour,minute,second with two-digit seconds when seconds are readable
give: 1,52
